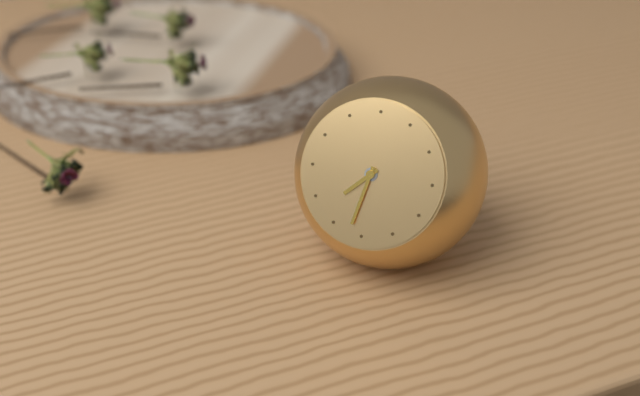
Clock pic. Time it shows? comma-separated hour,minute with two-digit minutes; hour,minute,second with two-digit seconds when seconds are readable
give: 7,32
